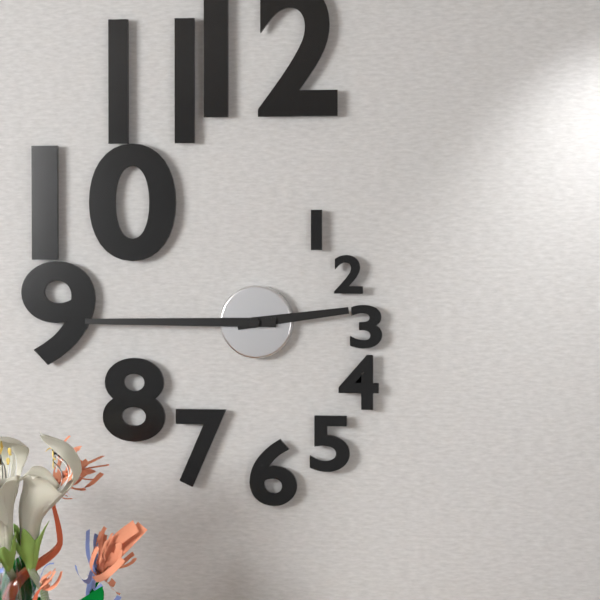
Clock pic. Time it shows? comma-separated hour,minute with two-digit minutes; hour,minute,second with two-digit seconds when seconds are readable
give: 2,45
